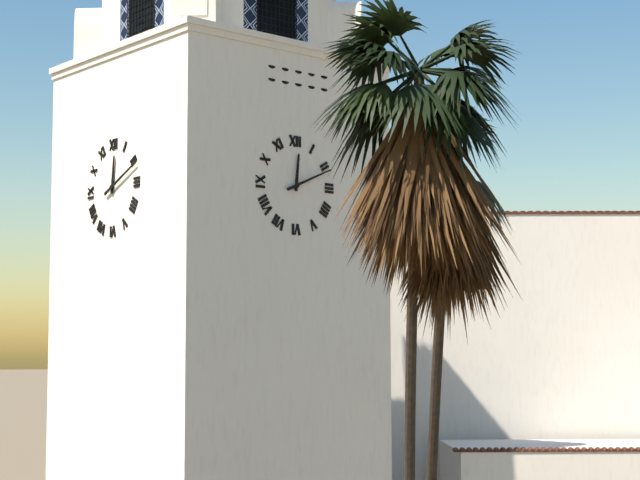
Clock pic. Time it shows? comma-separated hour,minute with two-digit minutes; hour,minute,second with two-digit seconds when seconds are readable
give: 12,11
